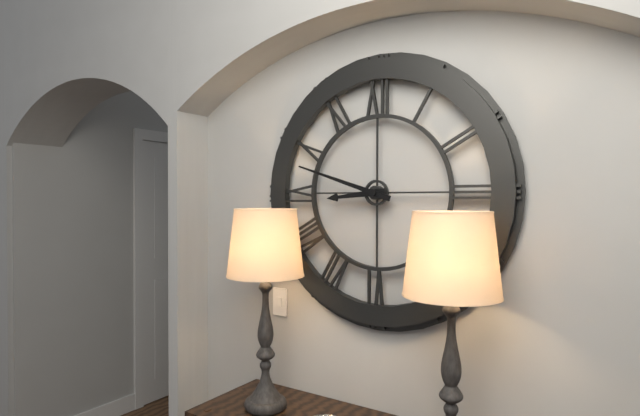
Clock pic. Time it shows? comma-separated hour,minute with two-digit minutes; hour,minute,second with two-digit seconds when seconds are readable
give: 8,48
